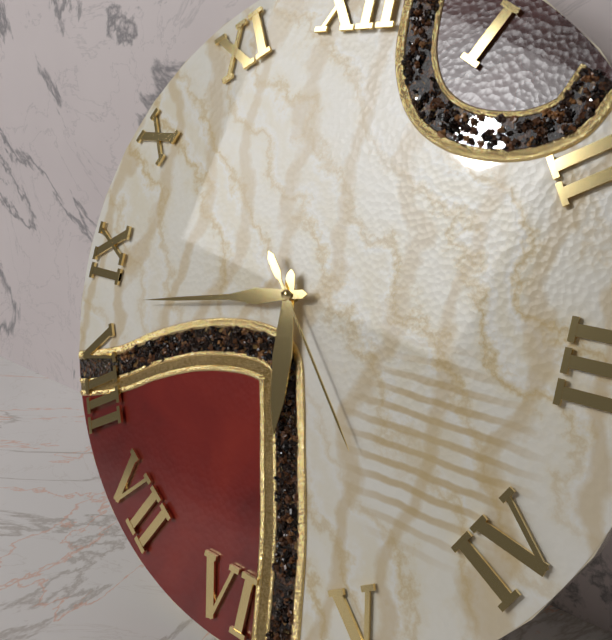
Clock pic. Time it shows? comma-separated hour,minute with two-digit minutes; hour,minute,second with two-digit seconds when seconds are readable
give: 5,43,23
